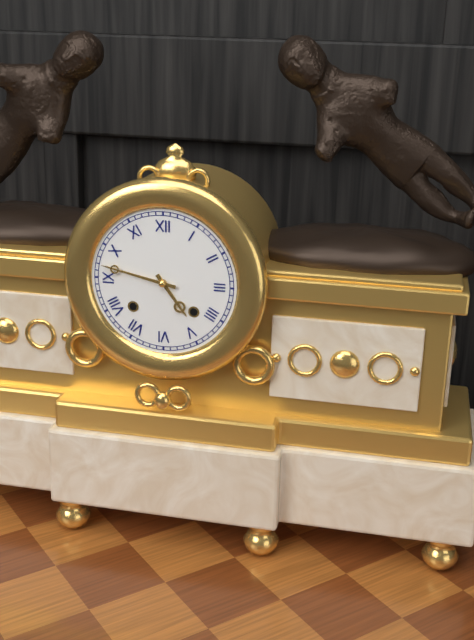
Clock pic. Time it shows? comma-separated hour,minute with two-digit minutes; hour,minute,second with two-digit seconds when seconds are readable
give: 4,47
